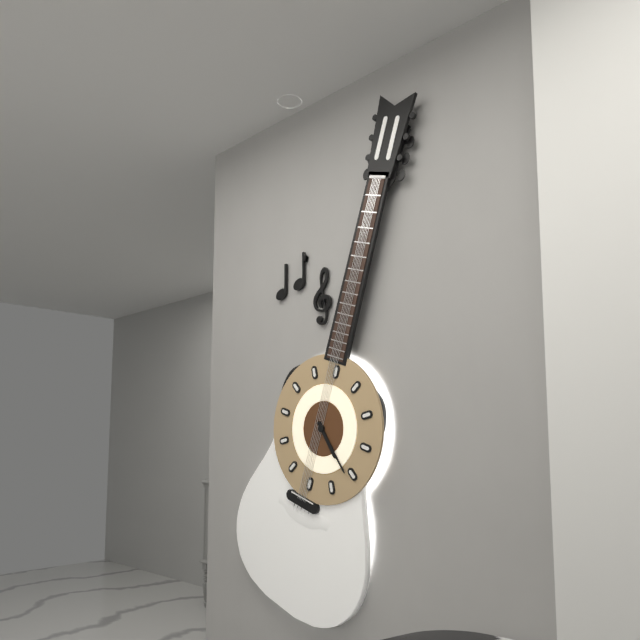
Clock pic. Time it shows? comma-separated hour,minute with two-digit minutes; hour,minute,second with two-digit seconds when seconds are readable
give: 4,21
